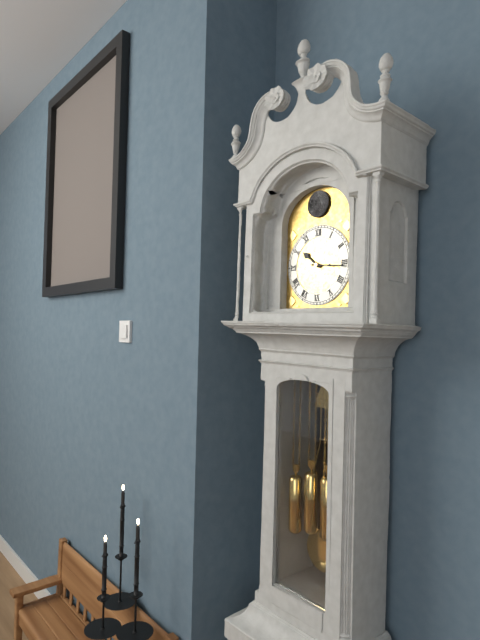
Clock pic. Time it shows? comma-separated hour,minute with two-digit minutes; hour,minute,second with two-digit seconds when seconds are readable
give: 10,16
